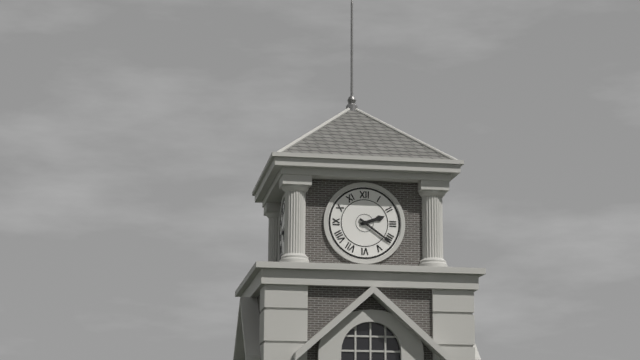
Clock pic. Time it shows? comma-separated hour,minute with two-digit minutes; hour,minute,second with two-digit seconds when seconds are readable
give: 2,21
